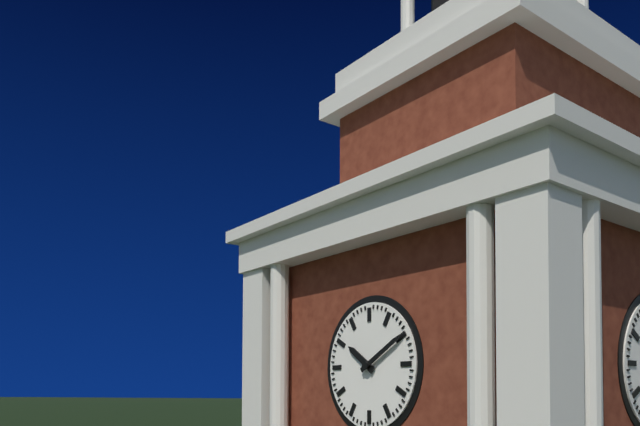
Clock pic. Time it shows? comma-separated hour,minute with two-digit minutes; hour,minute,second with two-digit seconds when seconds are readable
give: 10,10
